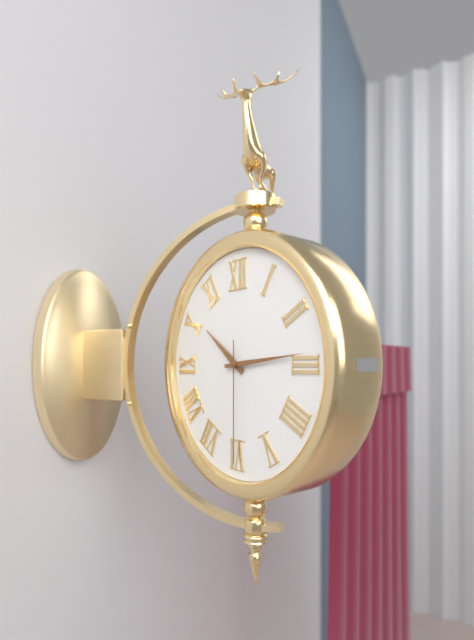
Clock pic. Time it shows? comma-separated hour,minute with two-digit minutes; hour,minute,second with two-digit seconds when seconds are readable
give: 10,14,30
